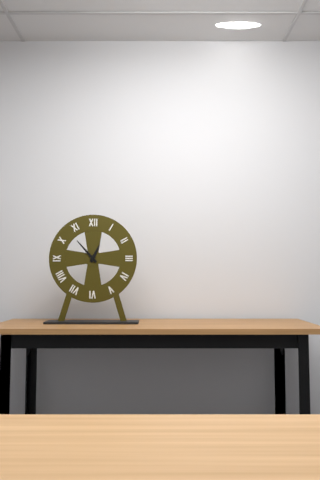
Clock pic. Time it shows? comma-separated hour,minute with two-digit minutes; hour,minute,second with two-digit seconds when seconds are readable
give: 12,53
